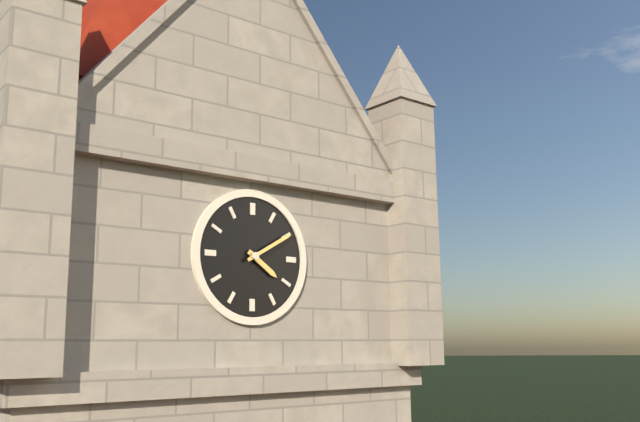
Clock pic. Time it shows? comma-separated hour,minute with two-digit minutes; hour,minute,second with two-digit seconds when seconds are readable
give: 4,10
